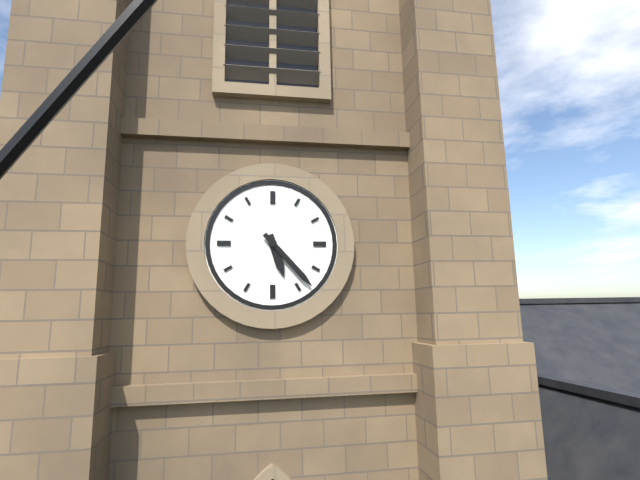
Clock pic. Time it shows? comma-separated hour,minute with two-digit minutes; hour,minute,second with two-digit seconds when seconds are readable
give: 5,23
